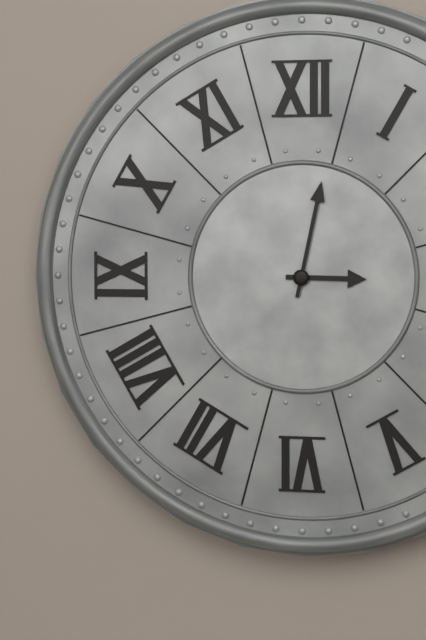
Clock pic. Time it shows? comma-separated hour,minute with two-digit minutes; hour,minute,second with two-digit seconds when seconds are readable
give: 3,02
